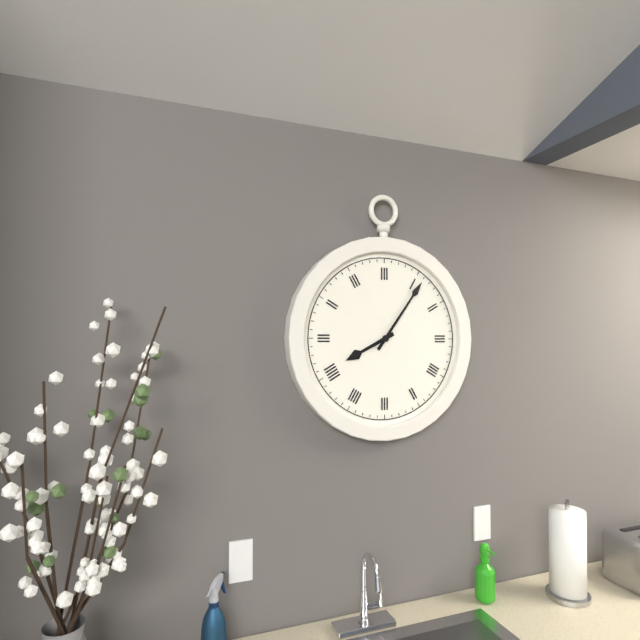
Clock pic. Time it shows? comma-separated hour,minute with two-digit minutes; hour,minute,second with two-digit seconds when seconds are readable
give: 8,06
